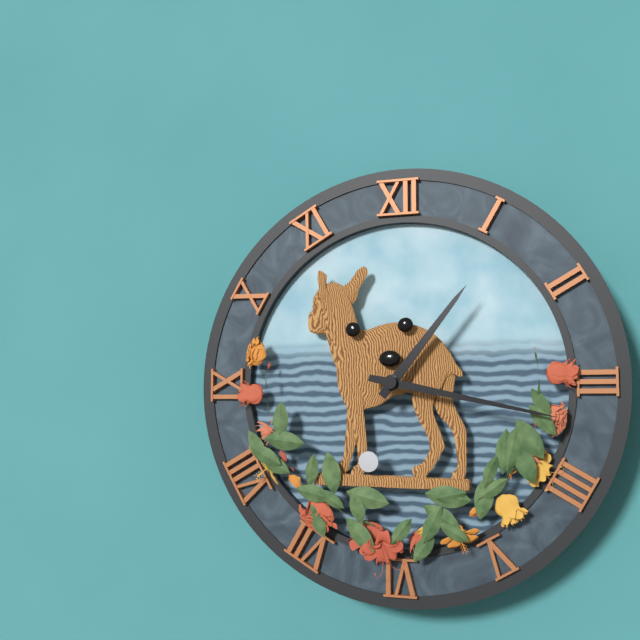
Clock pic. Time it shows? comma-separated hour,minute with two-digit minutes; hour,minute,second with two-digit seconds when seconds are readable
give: 1,17
